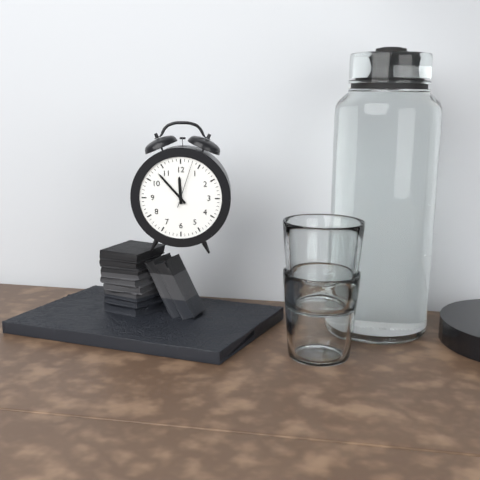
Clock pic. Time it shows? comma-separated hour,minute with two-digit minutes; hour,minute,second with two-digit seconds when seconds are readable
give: 11,53
